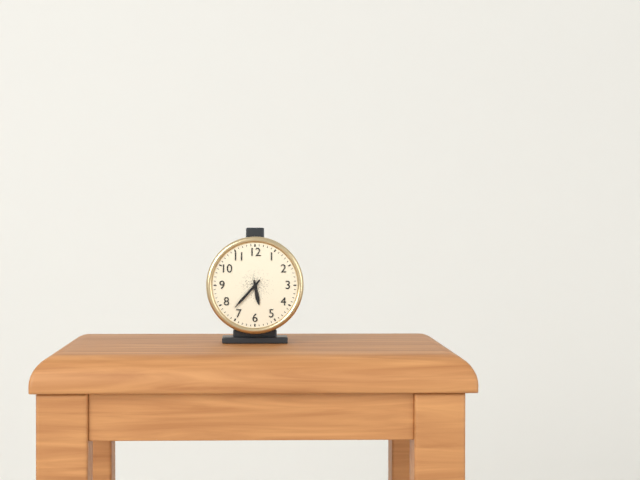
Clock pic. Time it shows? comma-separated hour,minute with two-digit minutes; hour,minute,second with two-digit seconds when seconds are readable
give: 5,37
